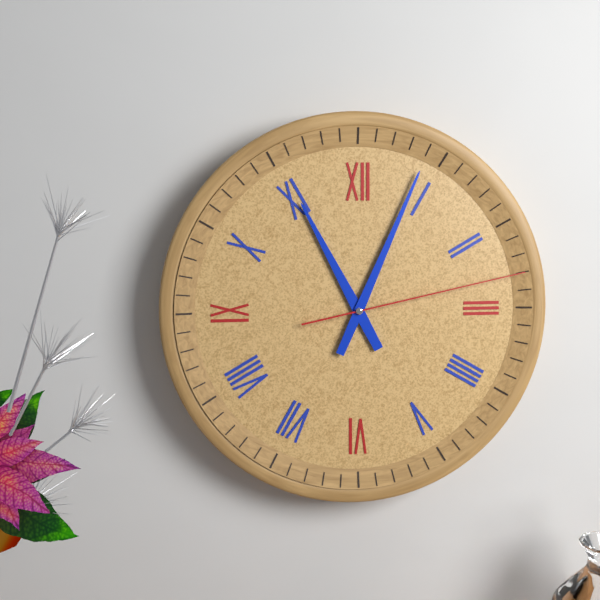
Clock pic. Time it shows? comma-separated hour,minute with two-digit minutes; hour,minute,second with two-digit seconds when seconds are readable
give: 11,04,13
